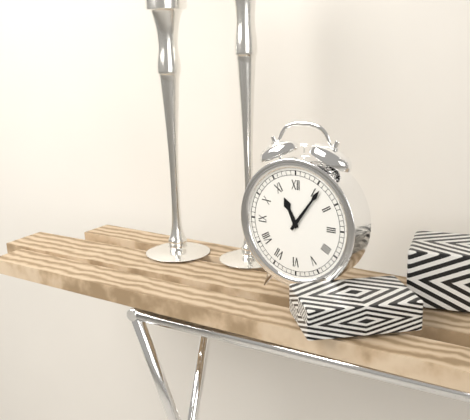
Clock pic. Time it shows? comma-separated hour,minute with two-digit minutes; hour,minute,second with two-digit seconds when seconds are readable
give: 11,06
